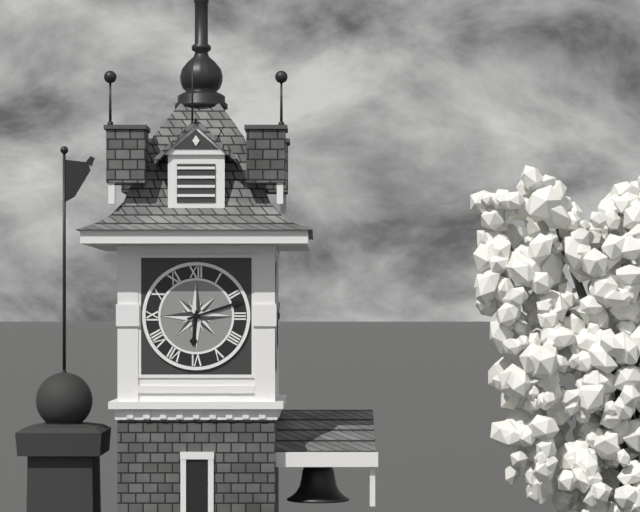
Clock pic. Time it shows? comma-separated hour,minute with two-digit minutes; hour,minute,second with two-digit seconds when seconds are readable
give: 6,12
